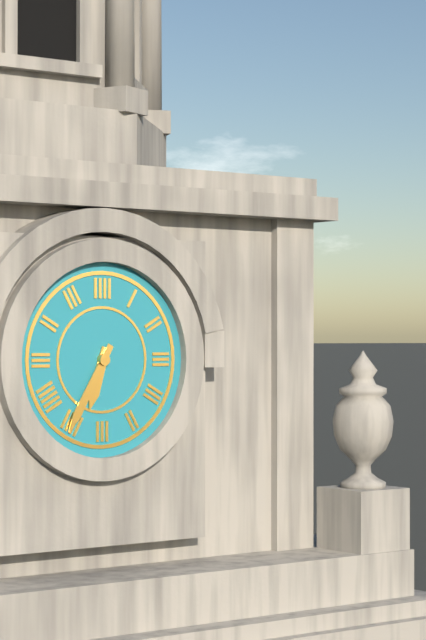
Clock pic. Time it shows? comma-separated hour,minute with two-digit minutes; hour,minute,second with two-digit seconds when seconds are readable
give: 6,35
